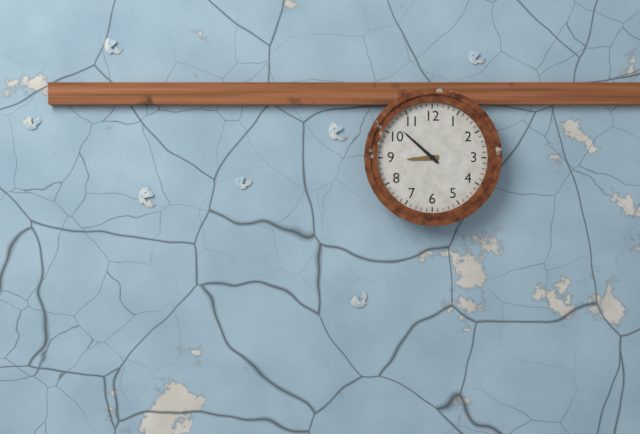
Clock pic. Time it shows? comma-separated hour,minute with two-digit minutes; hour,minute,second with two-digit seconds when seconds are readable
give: 8,52
